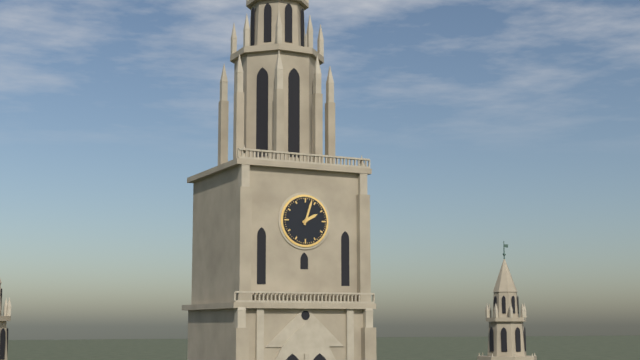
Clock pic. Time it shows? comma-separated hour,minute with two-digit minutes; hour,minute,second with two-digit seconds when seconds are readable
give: 2,03
